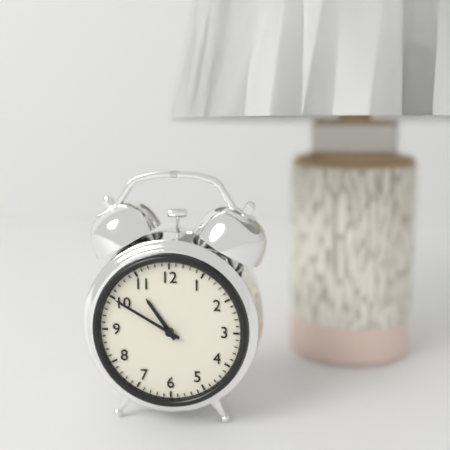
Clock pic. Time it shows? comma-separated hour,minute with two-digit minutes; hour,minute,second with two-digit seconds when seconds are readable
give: 10,50
